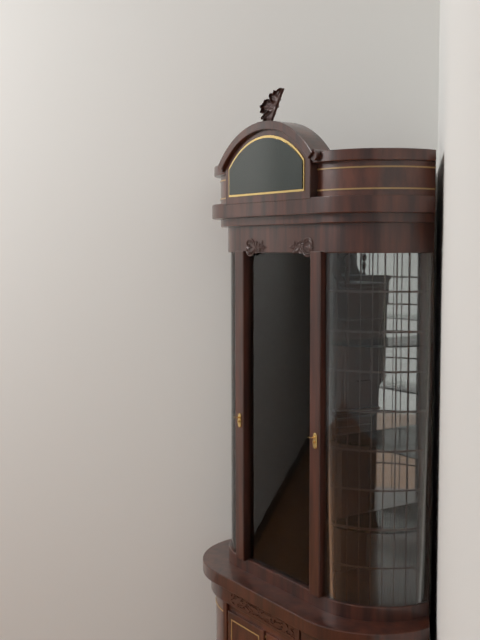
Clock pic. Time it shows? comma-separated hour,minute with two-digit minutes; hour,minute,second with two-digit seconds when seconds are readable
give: 1,39
